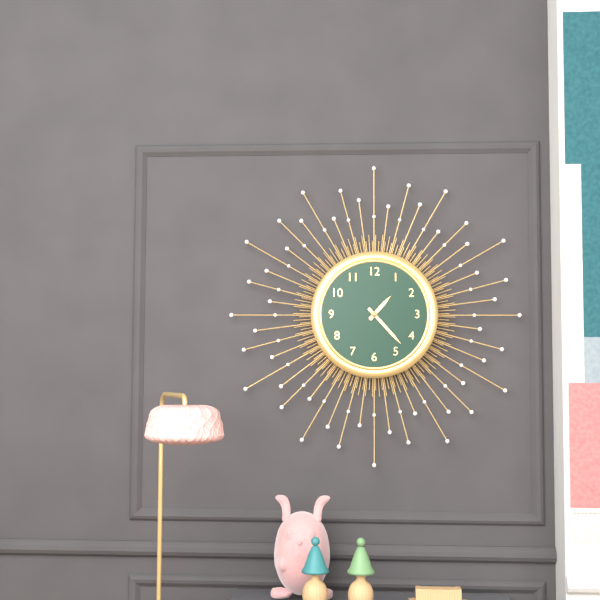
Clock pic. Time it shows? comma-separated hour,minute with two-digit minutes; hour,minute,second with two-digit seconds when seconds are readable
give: 1,23
